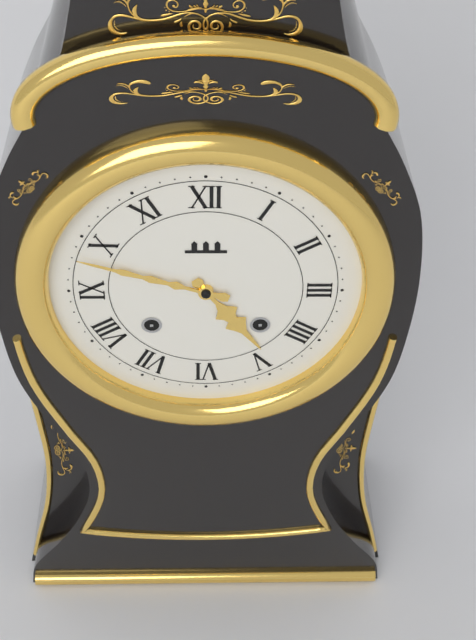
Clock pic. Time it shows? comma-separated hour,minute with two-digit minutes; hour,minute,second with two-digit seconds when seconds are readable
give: 4,48
